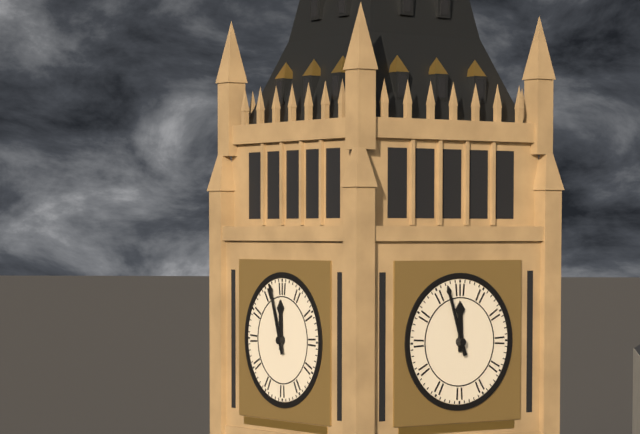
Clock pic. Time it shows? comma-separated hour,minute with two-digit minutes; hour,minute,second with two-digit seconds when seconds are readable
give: 11,57
